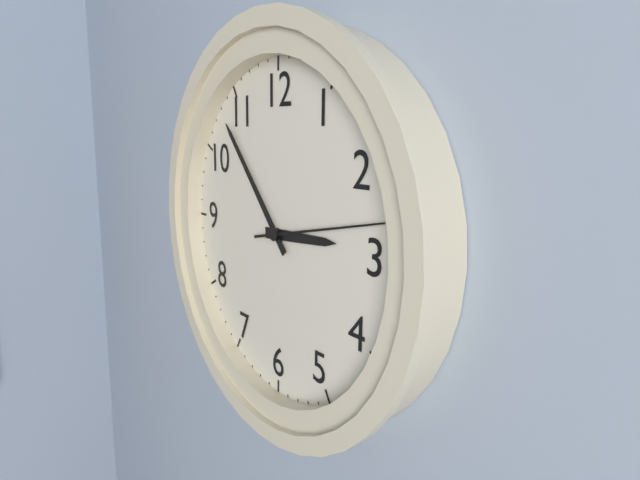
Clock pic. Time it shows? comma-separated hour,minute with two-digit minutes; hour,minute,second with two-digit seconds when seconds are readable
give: 2,53,13
